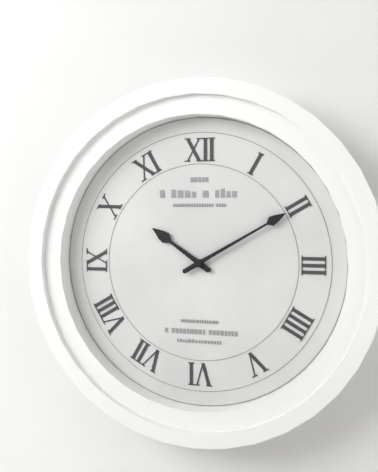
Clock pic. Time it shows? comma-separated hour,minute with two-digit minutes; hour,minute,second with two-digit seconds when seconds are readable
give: 10,10
